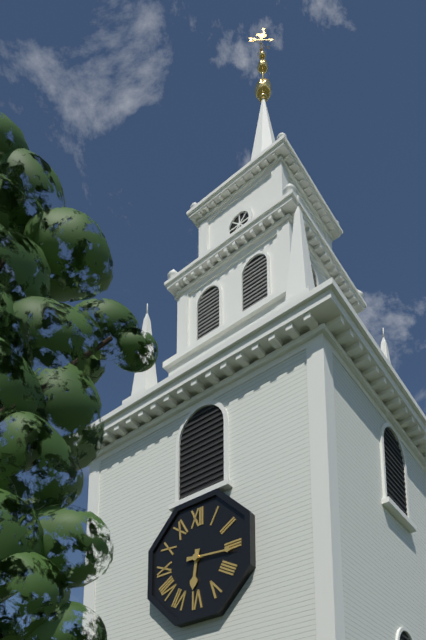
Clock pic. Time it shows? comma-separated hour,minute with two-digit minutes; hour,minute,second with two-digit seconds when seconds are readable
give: 6,16
